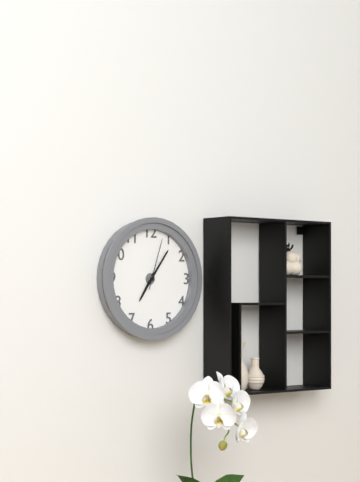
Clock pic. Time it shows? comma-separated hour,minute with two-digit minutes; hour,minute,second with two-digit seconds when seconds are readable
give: 7,06,03
